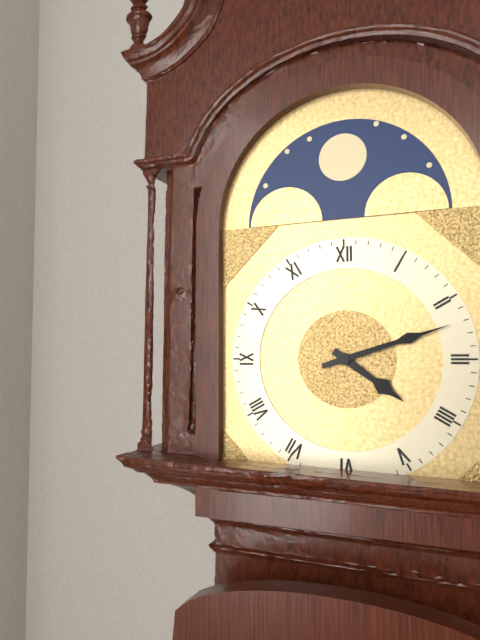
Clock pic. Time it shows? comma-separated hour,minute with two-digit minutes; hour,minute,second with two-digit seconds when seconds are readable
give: 4,12
